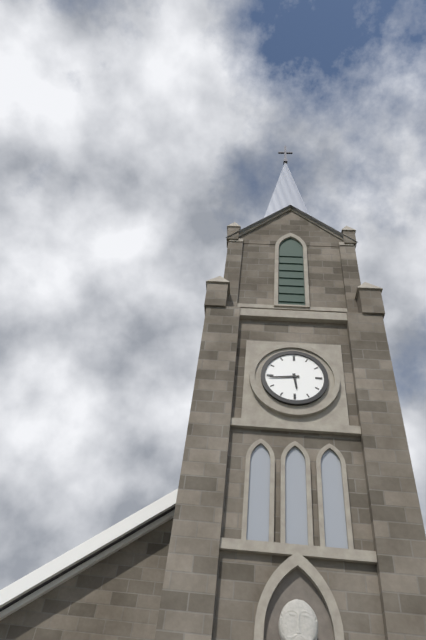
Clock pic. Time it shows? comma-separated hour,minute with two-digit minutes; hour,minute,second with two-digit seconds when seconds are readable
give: 5,44
